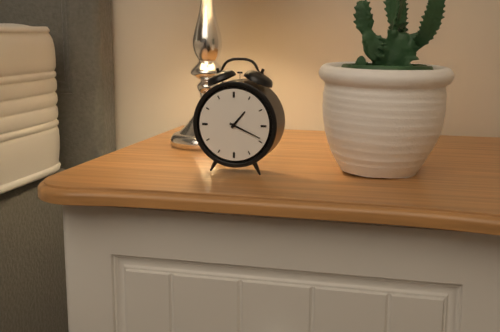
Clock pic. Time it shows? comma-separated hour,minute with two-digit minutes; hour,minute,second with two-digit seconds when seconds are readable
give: 1,19
